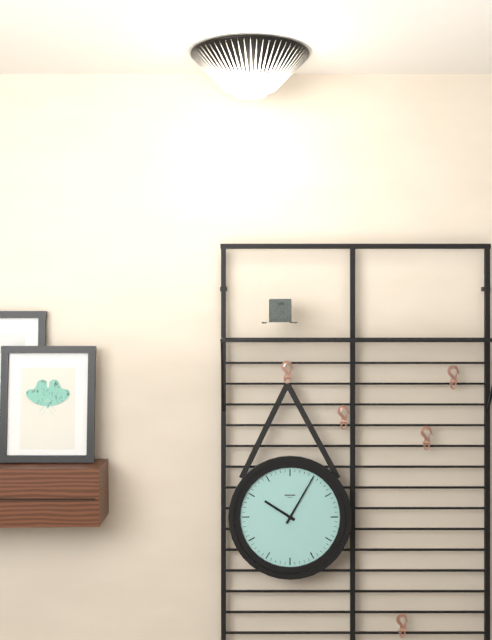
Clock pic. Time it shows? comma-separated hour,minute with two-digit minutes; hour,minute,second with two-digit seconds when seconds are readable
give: 10,05
